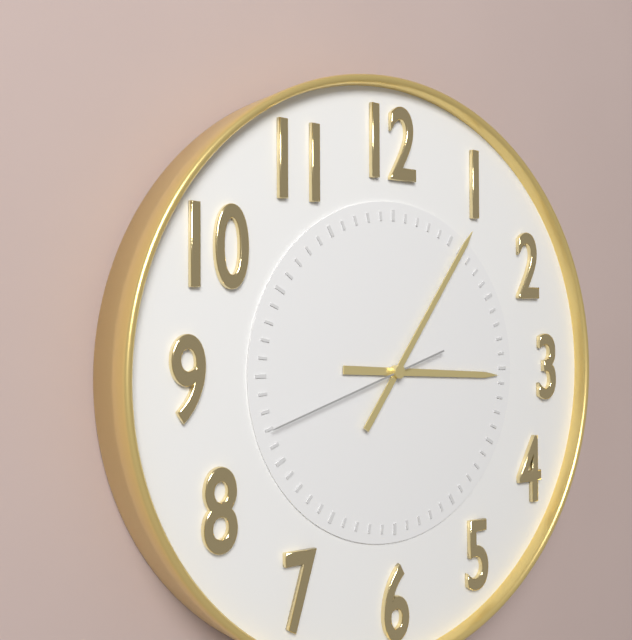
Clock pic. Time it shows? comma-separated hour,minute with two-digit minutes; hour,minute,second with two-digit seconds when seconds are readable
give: 3,06,42
